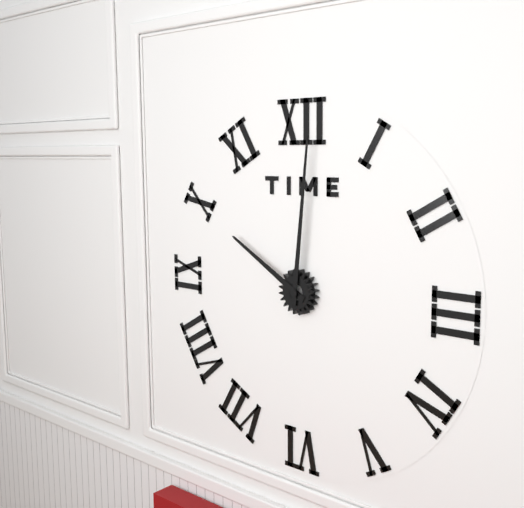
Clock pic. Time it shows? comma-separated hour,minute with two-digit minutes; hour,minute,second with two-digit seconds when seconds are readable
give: 10,01
